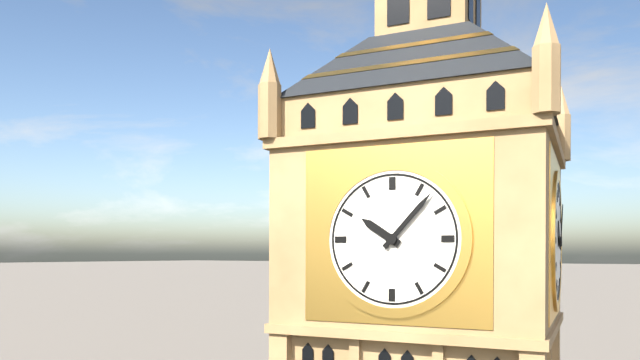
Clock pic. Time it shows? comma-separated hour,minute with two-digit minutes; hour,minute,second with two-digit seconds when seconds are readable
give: 10,07
